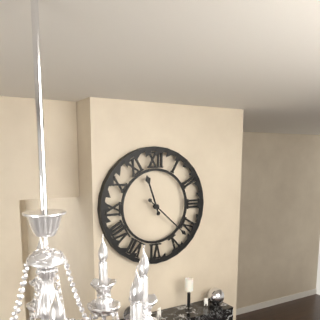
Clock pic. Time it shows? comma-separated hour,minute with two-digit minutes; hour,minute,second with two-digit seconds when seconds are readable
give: 11,22
